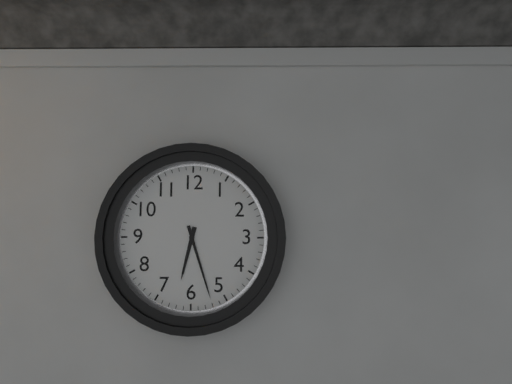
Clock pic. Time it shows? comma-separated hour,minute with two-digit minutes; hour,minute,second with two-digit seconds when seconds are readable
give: 6,27
